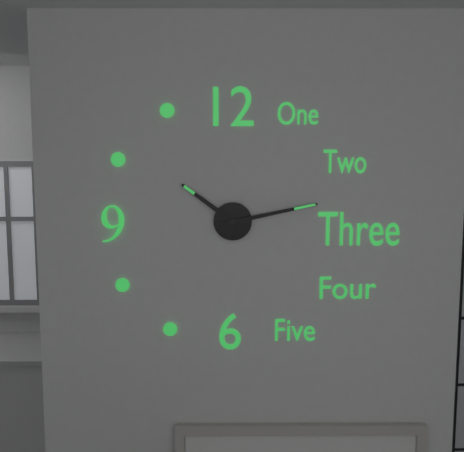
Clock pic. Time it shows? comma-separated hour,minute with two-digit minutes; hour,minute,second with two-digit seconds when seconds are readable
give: 10,13
